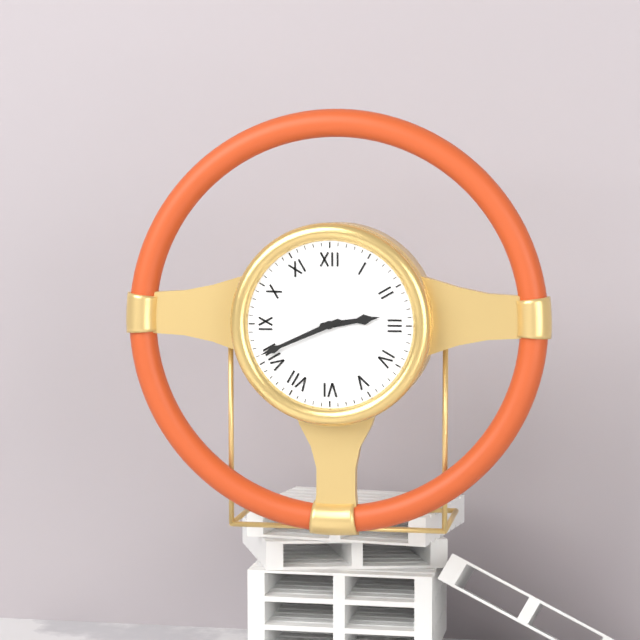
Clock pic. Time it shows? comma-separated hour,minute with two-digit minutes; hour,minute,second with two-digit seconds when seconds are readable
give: 2,41
